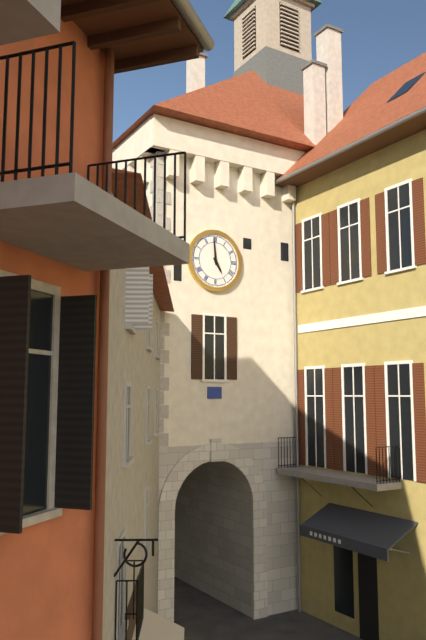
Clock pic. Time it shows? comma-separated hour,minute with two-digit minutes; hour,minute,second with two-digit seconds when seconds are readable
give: 4,59
